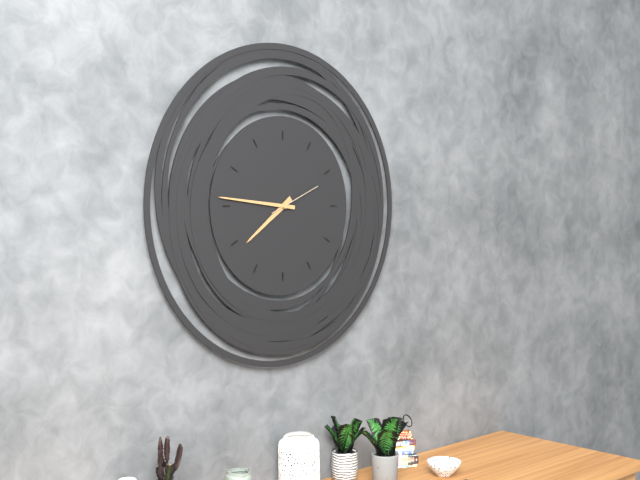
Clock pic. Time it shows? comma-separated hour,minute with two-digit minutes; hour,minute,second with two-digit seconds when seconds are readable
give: 7,46,11
